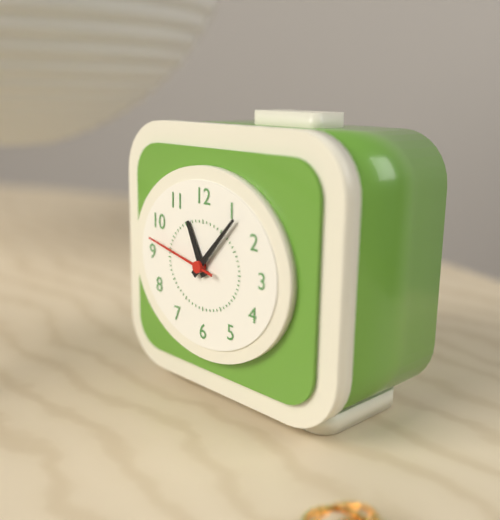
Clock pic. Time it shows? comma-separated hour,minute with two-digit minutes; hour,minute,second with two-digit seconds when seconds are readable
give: 11,07,47
